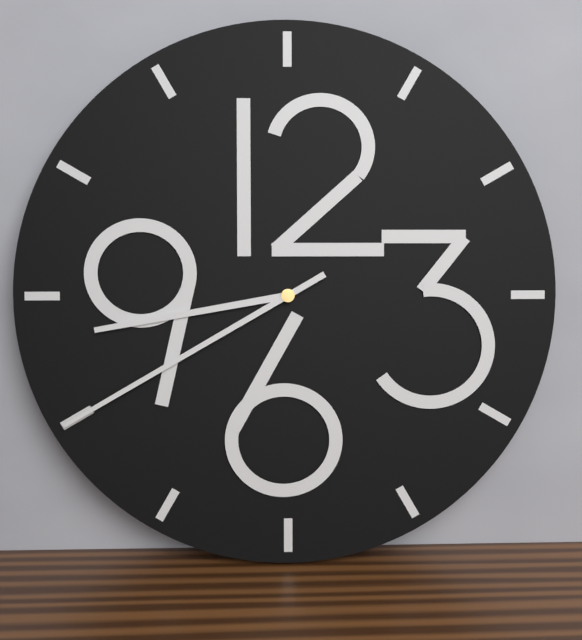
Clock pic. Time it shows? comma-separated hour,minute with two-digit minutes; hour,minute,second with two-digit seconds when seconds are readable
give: 8,40
